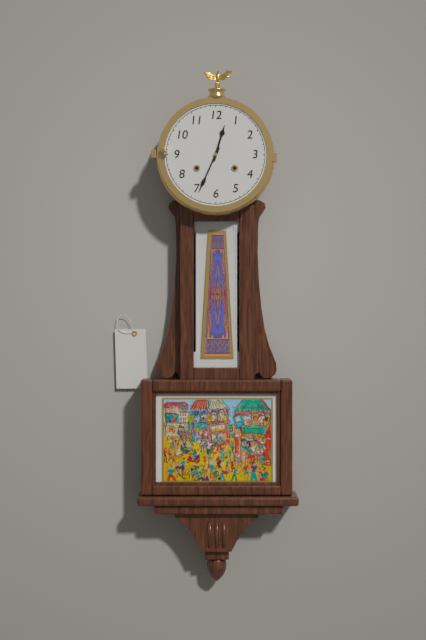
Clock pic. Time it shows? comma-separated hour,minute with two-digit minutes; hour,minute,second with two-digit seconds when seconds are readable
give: 12,34
